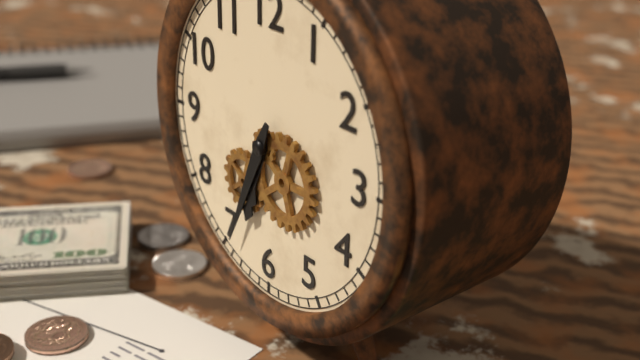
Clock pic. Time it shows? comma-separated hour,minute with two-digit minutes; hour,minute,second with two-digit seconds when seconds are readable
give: 6,34
